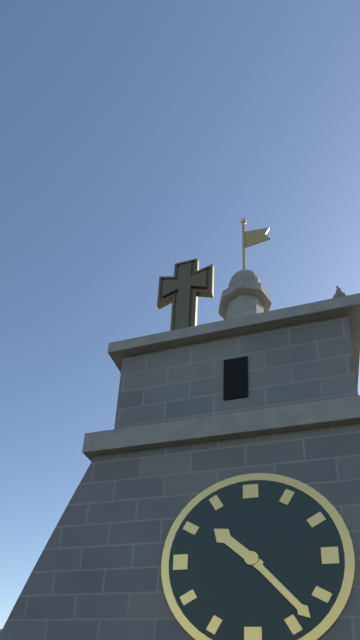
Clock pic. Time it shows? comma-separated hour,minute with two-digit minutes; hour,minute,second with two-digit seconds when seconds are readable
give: 10,23
